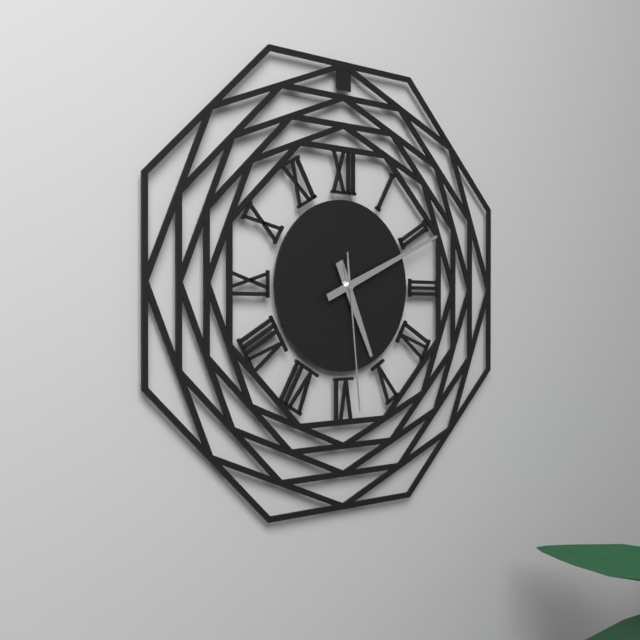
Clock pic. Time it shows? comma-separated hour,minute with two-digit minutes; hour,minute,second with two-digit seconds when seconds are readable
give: 5,11,29
